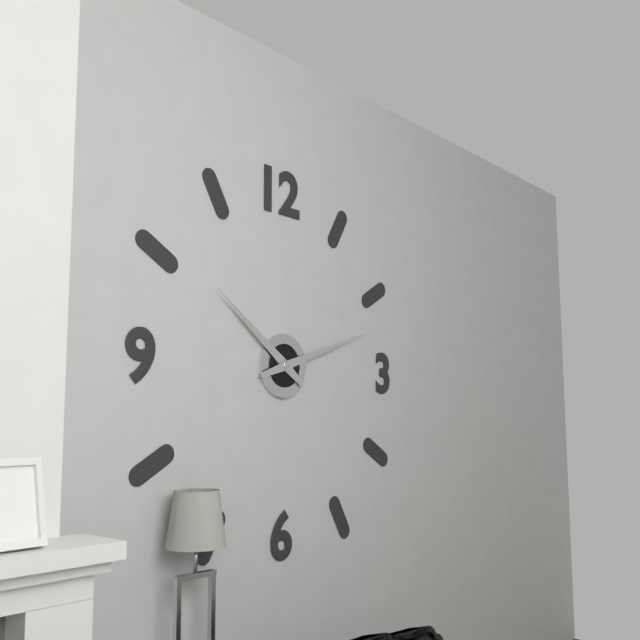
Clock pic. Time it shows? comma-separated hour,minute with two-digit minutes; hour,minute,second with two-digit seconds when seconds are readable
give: 10,12
